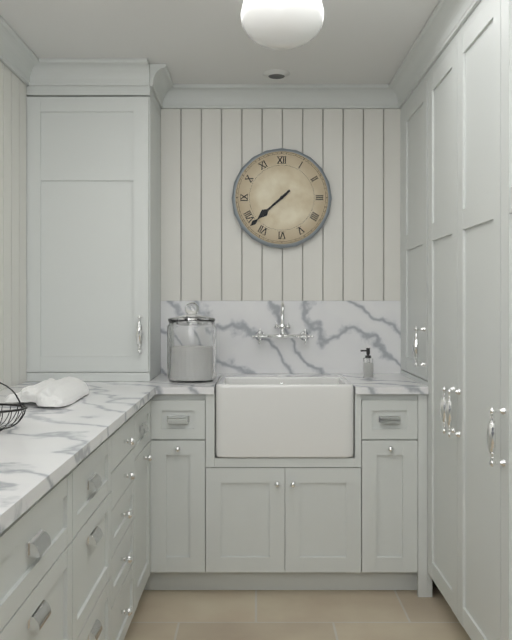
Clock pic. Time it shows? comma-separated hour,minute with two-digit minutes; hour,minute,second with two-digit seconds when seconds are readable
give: 7,38
